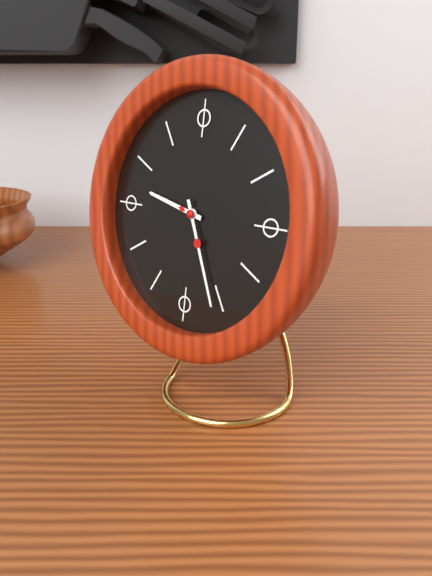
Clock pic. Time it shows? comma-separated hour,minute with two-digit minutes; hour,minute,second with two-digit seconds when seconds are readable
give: 9,26
